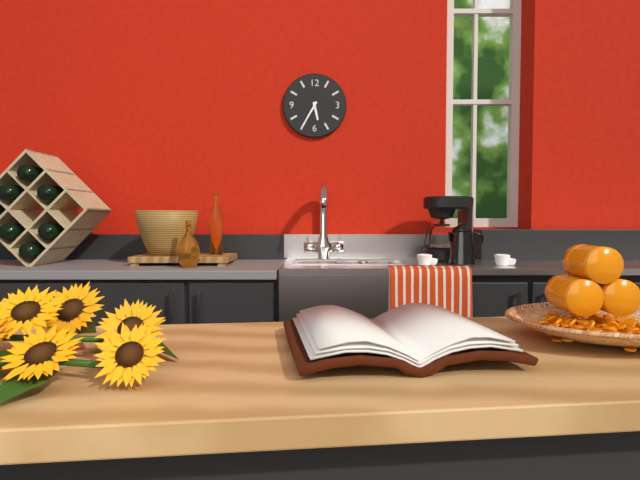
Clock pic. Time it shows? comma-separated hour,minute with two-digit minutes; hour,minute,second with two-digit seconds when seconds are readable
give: 5,35
